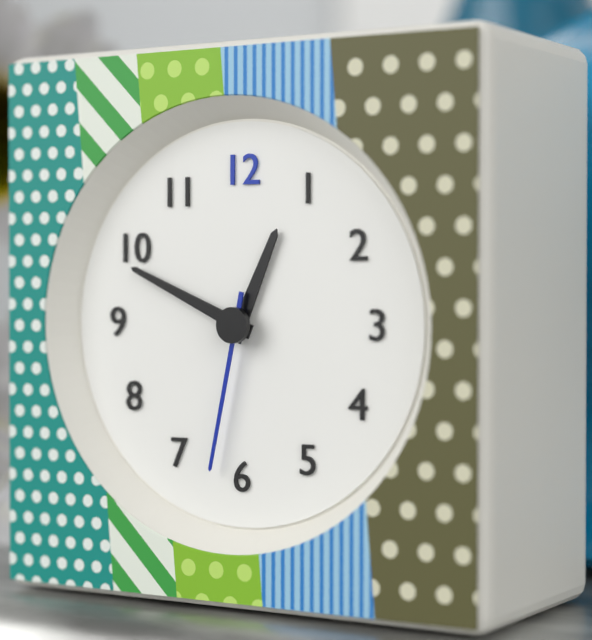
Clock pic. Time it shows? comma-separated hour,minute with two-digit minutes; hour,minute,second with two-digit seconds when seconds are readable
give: 12,49,32
